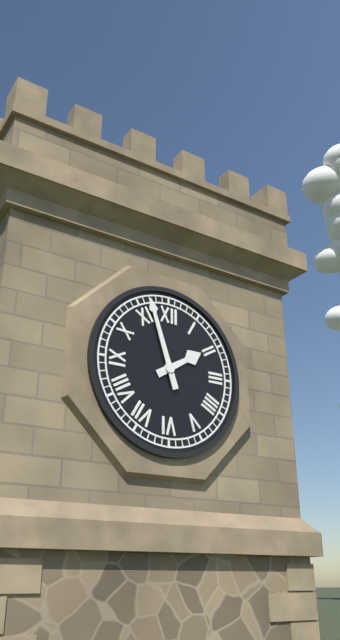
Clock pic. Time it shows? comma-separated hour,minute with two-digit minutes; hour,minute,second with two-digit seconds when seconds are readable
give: 1,57
